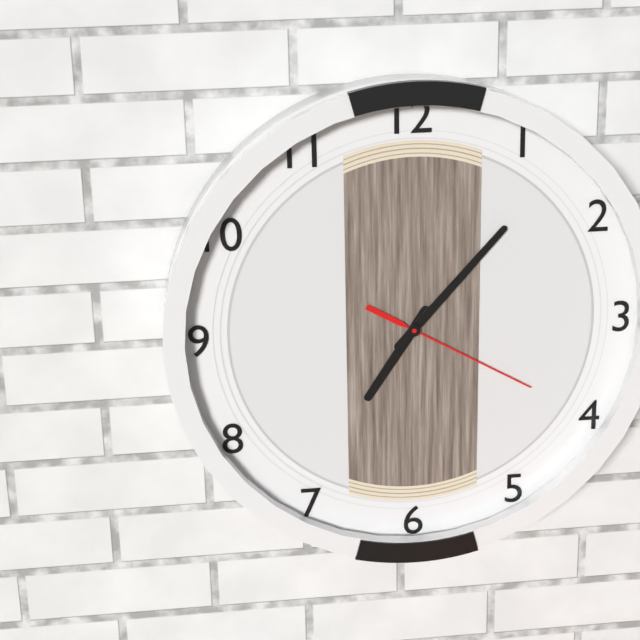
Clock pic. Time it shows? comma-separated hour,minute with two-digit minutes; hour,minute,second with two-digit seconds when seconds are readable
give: 7,07,20
